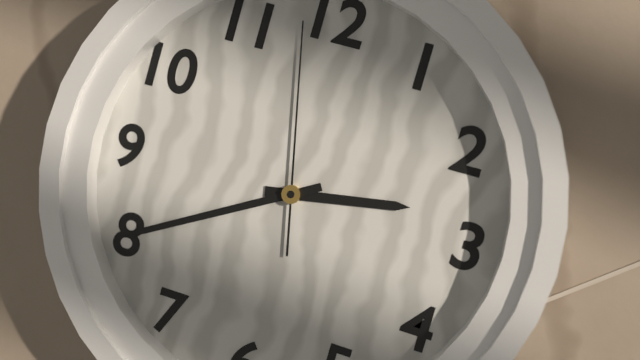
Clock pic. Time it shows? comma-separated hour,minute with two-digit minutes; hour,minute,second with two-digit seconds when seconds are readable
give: 2,40,58
